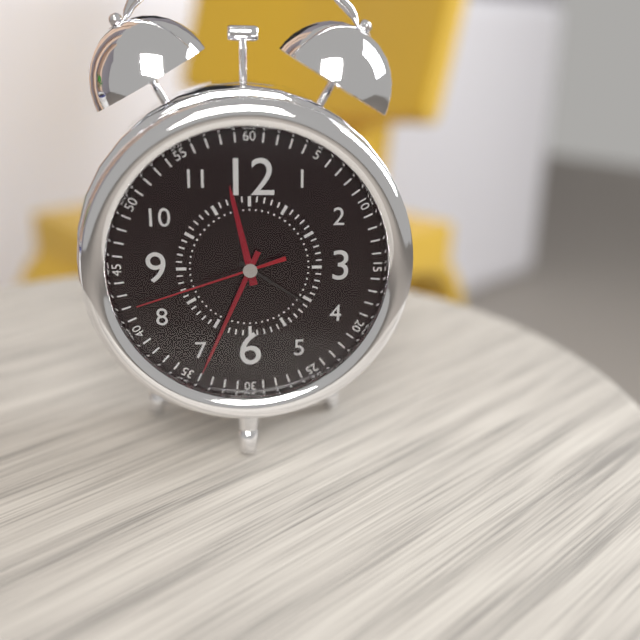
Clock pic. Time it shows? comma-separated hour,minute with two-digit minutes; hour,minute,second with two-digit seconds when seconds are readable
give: 11,34,42
